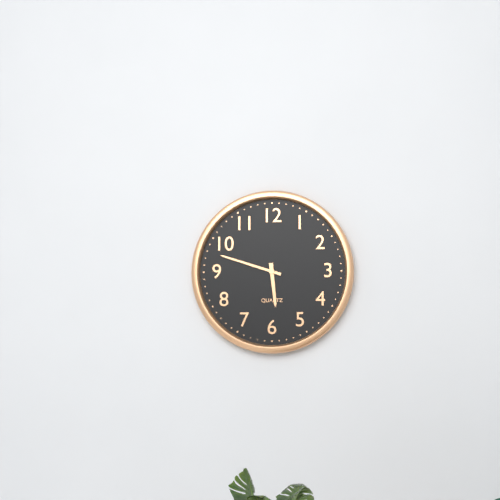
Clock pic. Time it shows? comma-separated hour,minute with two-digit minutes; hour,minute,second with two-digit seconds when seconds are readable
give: 5,48
